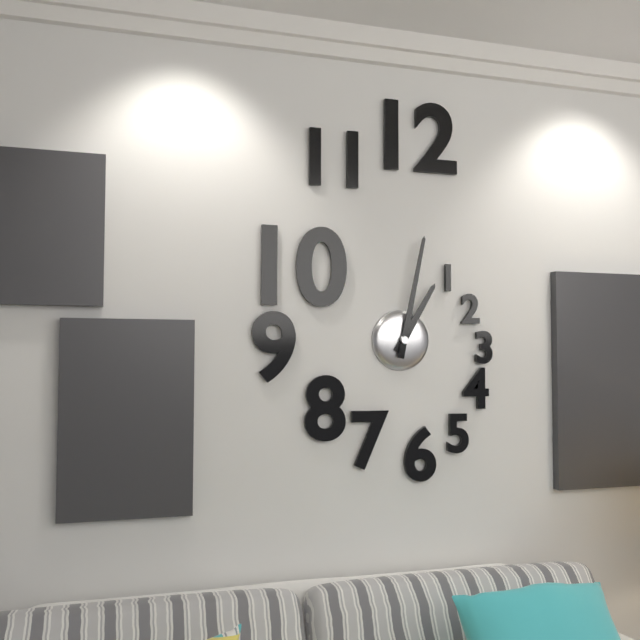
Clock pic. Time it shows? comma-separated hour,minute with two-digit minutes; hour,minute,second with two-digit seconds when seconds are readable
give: 1,02
